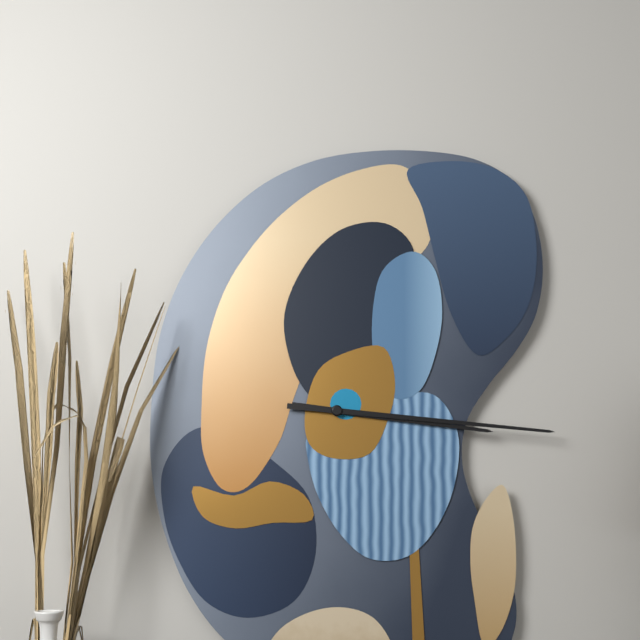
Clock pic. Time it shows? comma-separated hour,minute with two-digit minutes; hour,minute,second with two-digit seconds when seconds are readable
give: 3,16
